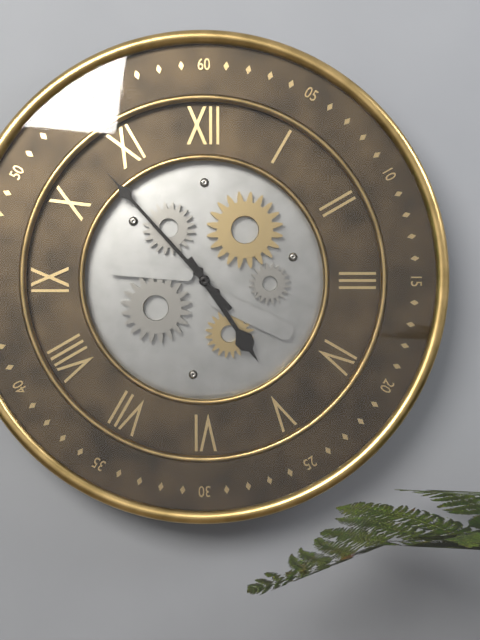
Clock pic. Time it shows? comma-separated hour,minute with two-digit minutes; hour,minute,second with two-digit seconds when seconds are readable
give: 4,53
